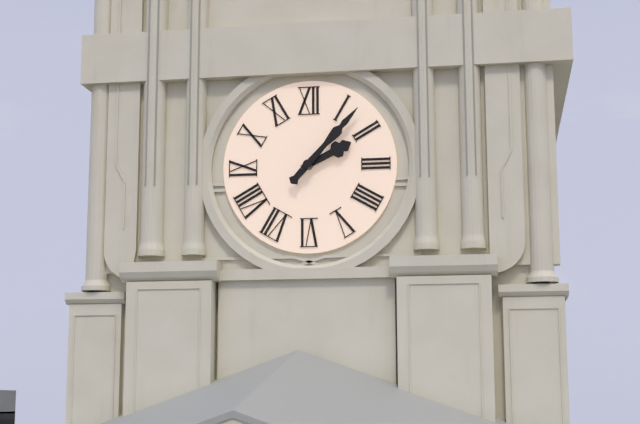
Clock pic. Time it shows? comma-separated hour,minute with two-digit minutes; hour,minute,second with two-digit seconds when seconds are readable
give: 2,07
